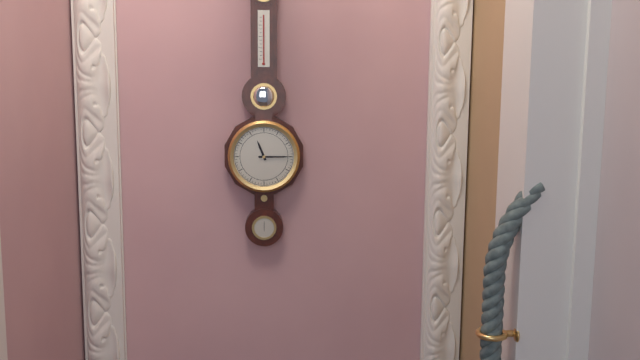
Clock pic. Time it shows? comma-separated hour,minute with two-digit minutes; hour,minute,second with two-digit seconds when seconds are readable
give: 11,15
